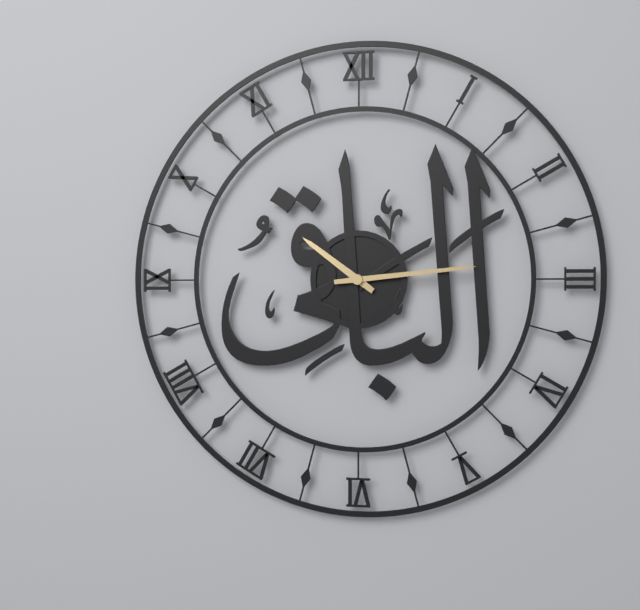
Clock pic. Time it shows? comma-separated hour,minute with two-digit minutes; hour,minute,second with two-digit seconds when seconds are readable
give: 10,14
